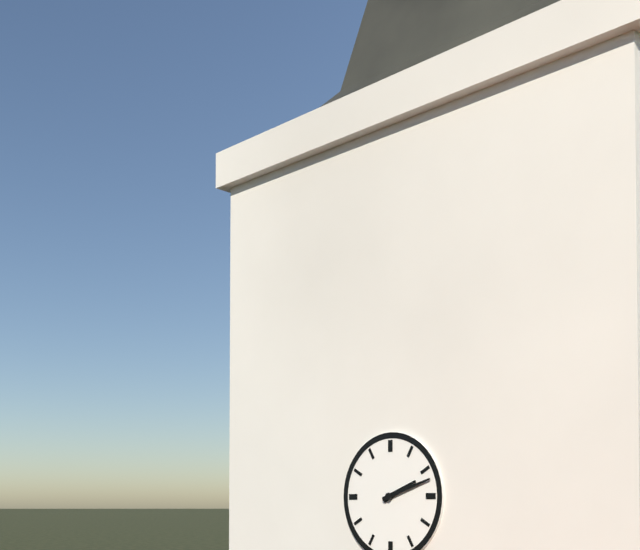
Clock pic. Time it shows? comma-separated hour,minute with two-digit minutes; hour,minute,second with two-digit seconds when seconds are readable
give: 2,12
